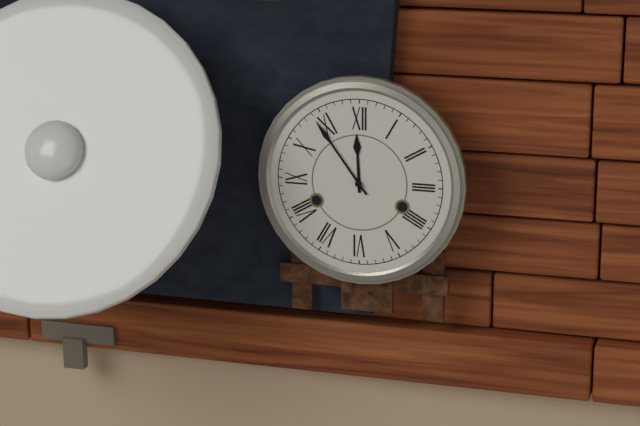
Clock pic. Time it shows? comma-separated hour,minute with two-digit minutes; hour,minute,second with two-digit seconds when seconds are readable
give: 11,54
